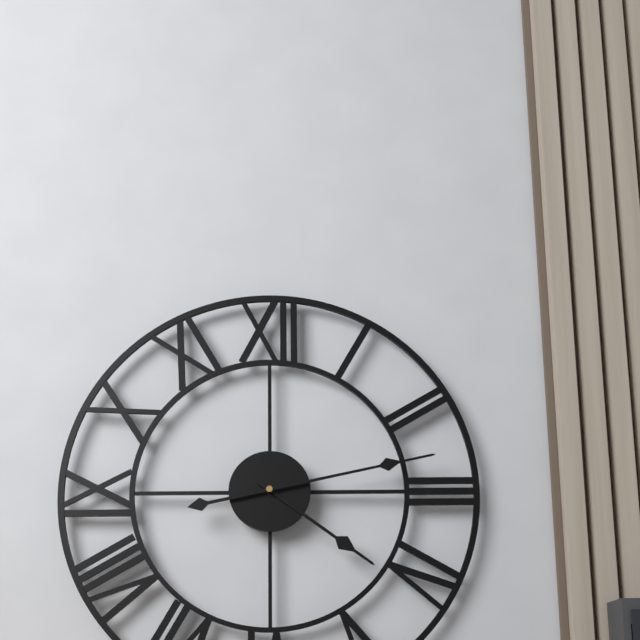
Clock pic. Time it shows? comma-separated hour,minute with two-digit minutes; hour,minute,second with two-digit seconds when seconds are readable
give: 4,13
